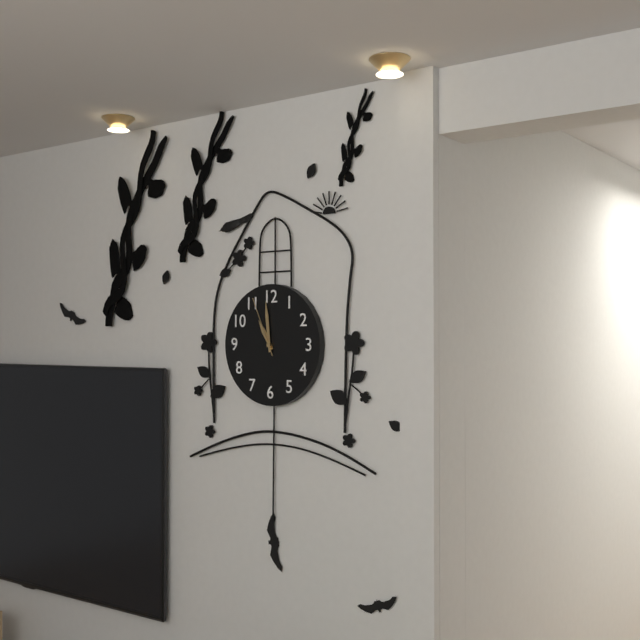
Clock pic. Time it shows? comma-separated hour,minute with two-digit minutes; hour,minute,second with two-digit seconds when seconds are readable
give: 10,59,56
